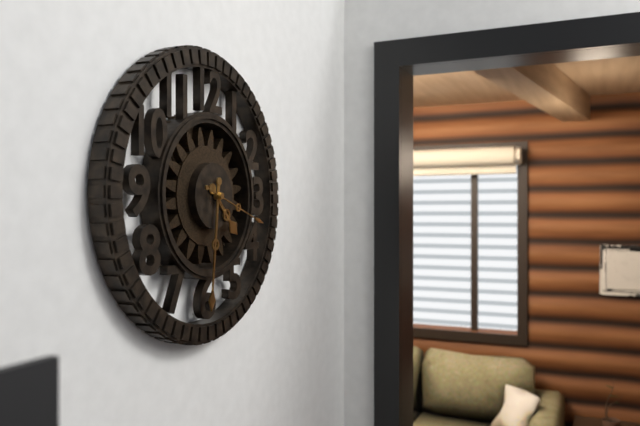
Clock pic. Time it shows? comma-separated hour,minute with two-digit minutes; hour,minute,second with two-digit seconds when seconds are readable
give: 4,31,18
